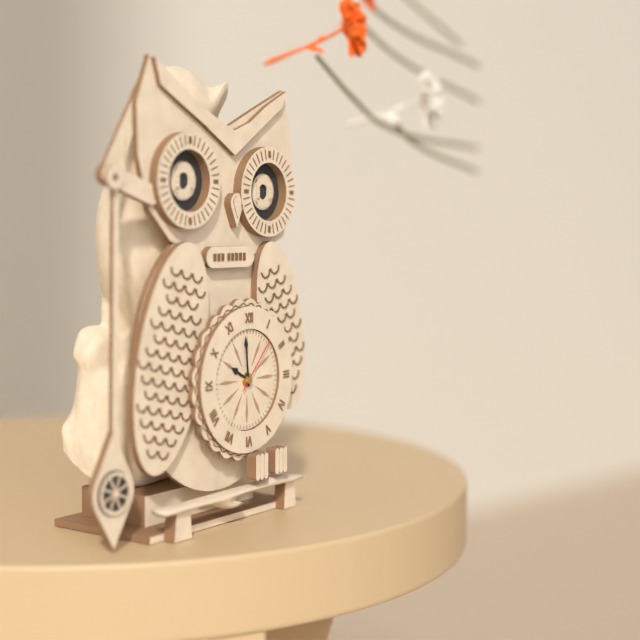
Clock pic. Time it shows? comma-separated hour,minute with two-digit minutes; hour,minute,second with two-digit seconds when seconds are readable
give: 9,59,07
